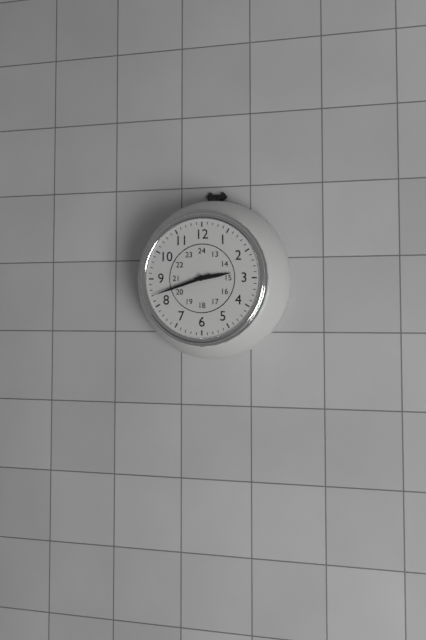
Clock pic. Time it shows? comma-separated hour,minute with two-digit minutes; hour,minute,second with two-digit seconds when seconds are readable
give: 2,42
